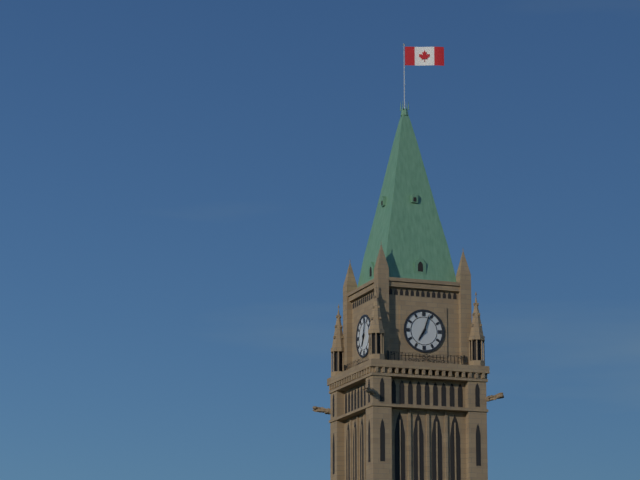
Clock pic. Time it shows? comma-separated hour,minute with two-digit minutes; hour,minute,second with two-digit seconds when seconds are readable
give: 7,03
